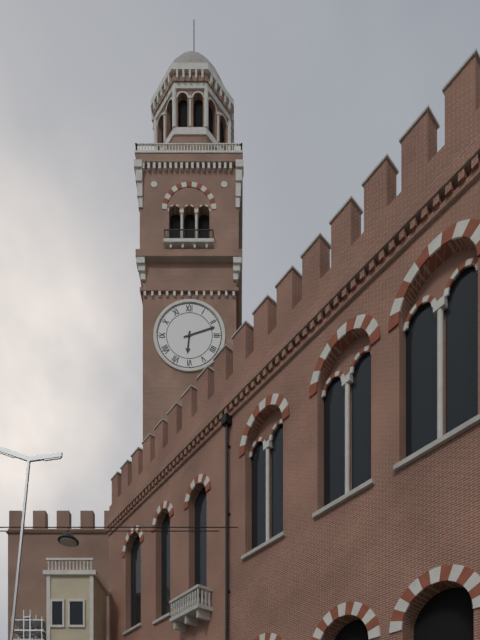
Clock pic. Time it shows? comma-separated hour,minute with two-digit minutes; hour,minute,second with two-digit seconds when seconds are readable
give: 6,12
